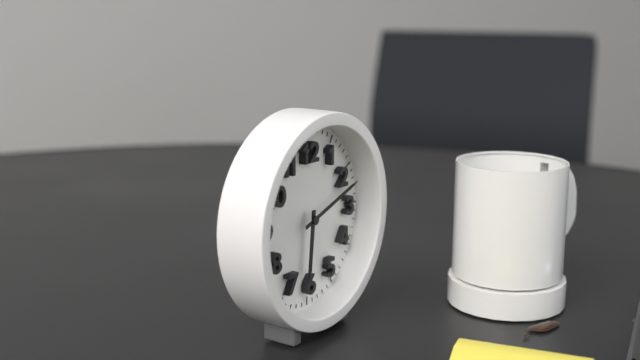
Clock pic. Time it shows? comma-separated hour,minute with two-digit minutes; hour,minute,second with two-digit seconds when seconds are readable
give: 6,12
